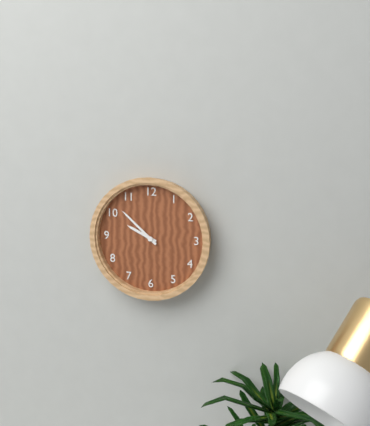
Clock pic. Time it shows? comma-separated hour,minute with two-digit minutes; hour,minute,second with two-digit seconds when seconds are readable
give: 9,52
